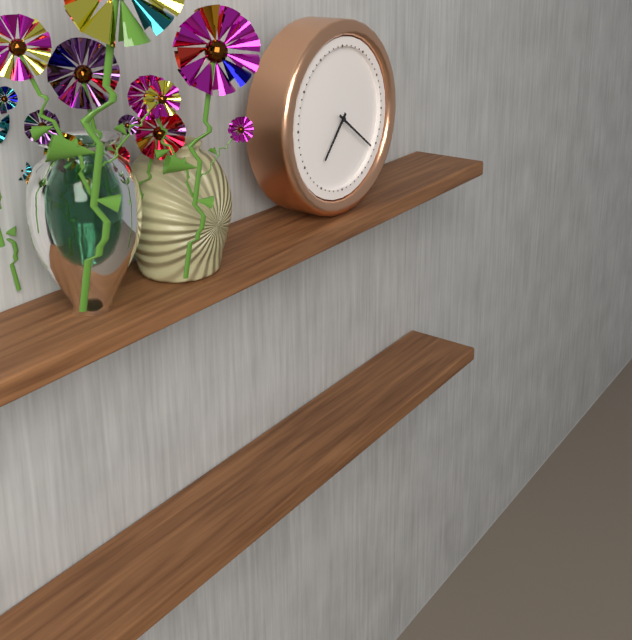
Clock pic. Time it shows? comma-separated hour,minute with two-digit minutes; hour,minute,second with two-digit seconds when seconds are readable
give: 7,21
